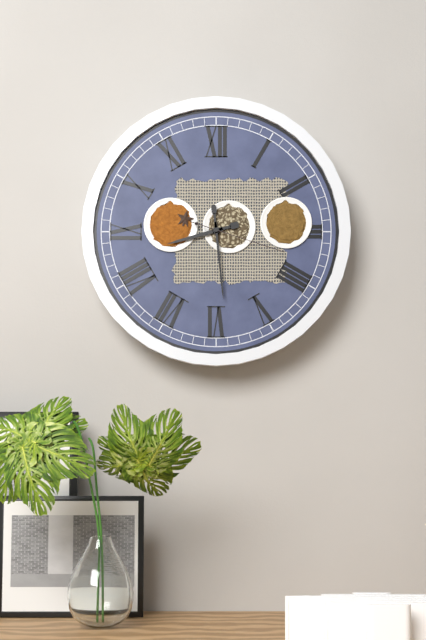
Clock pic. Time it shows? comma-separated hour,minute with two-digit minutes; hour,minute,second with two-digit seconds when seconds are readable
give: 8,29,18
